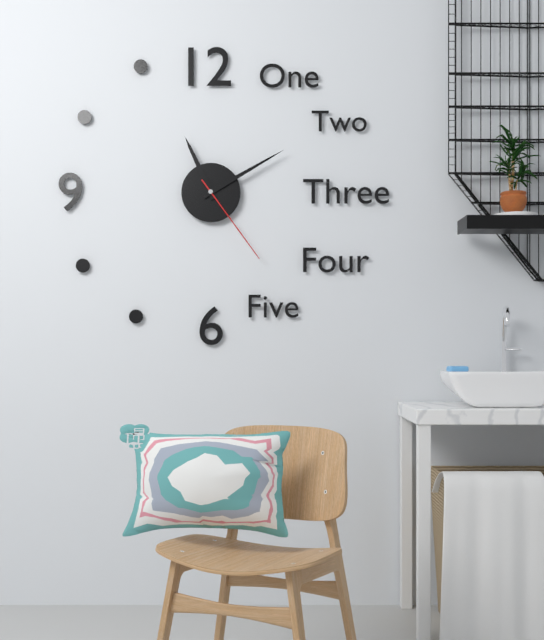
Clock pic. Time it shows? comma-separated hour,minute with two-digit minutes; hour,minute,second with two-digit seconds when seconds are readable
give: 11,10,24
